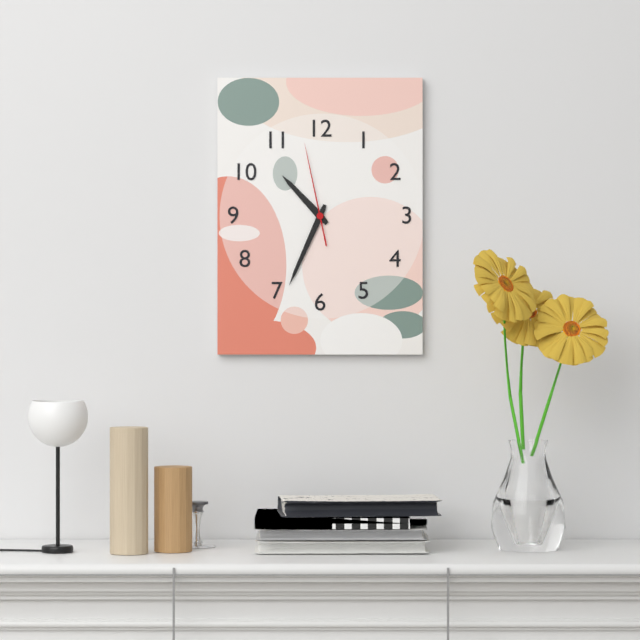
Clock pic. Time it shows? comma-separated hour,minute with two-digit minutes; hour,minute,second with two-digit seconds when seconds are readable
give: 10,34,58
